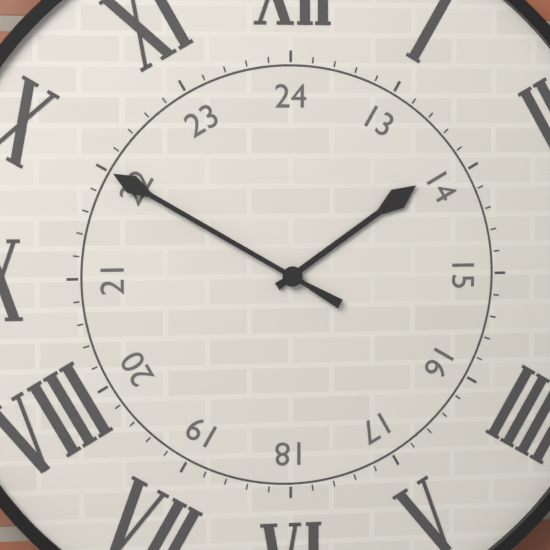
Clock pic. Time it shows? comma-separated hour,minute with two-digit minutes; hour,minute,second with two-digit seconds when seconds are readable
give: 1,50
